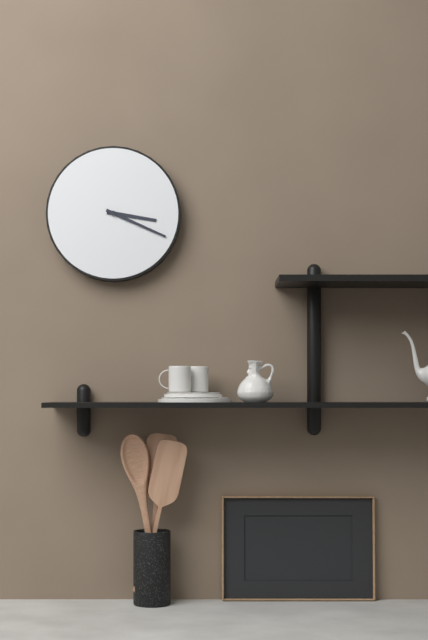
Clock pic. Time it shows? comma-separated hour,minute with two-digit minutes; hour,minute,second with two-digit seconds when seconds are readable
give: 3,19
